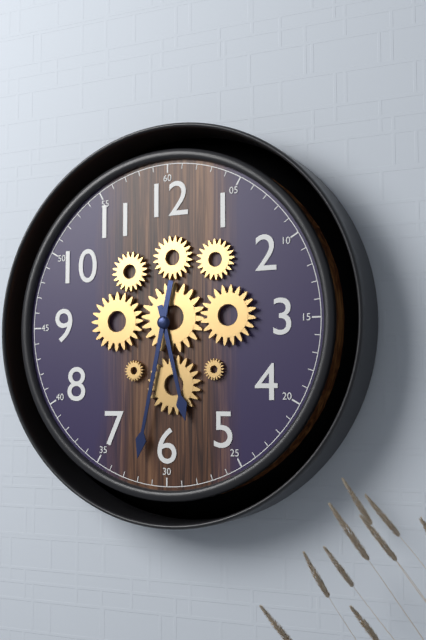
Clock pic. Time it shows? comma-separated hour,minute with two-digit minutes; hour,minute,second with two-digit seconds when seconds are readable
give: 5,32
